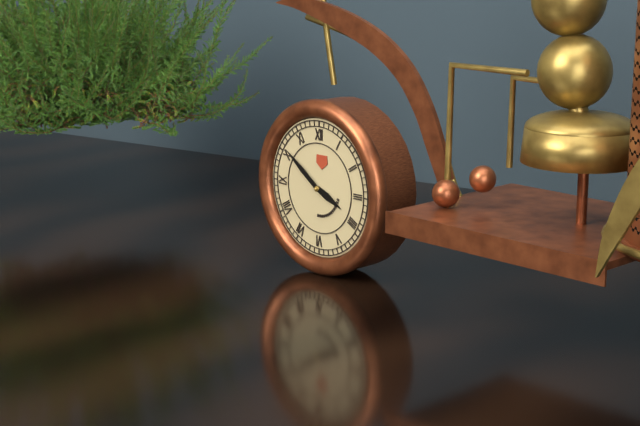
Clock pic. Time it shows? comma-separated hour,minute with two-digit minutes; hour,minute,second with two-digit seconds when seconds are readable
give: 3,51
